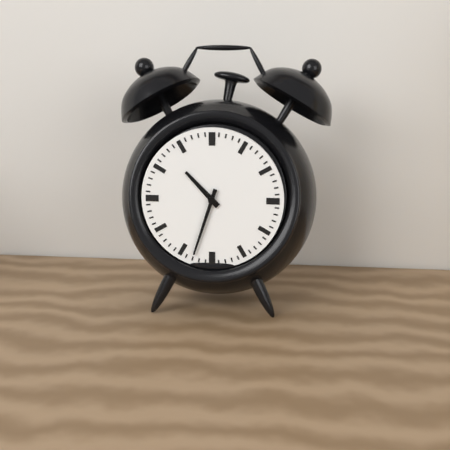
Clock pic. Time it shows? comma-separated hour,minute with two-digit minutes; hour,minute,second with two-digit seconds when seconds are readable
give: 10,33
